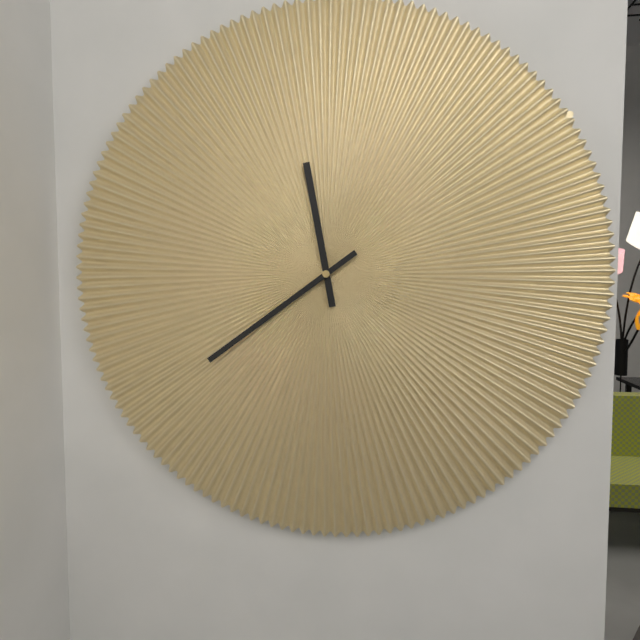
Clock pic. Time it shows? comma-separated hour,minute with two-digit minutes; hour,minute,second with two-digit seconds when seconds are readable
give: 11,39
